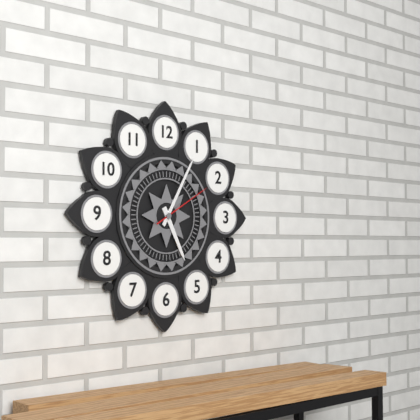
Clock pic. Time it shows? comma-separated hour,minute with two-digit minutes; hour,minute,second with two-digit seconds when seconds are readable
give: 5,05,10
